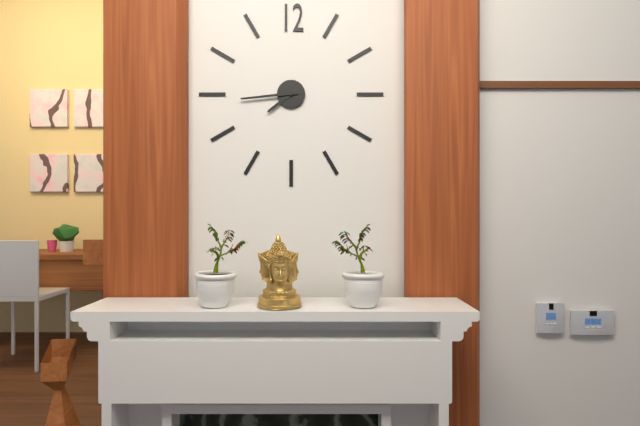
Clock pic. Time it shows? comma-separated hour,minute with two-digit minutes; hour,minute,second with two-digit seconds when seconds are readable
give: 7,44
